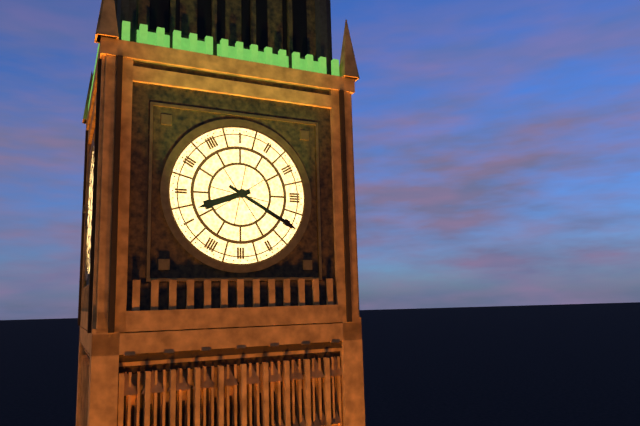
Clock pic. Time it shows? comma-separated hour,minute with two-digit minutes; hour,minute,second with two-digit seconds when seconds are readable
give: 8,20
